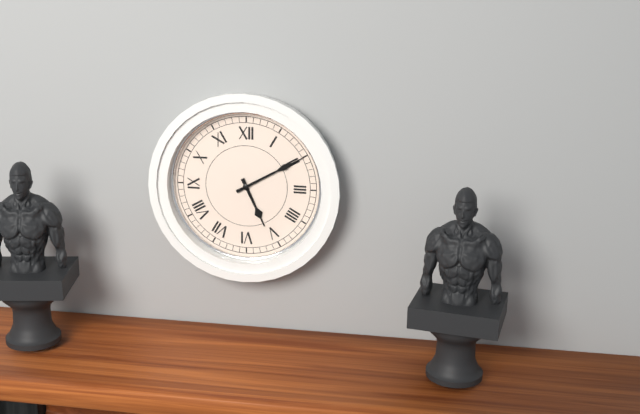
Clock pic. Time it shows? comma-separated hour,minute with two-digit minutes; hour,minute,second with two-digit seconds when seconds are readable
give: 5,10
